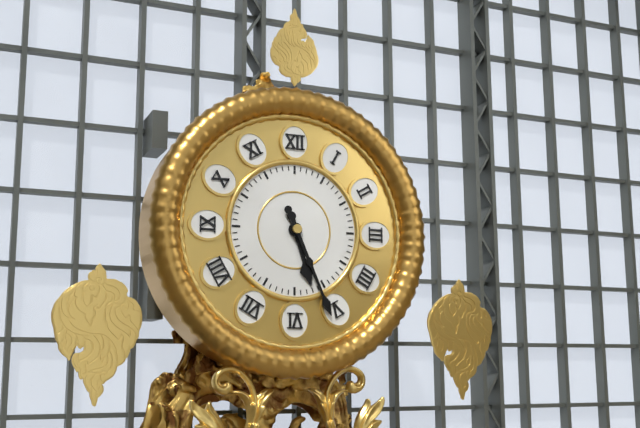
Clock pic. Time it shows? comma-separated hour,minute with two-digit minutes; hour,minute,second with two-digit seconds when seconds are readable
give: 5,26
